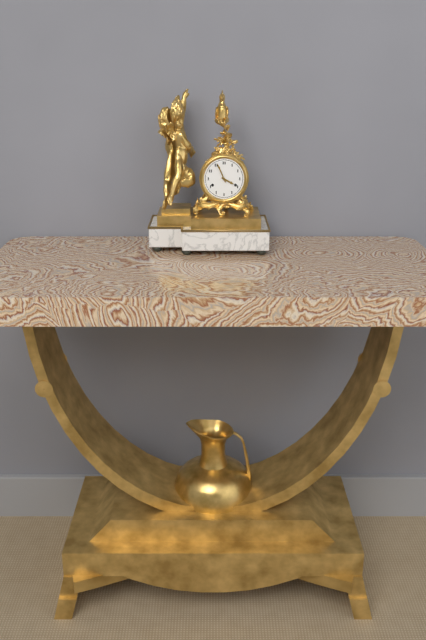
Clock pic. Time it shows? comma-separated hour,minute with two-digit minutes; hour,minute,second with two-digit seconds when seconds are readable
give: 3,56
